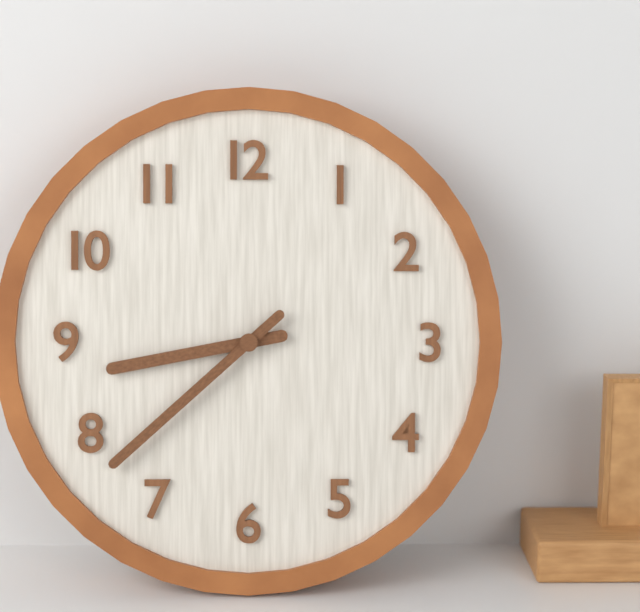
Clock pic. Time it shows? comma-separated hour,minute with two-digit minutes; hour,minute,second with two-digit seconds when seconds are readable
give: 8,38
